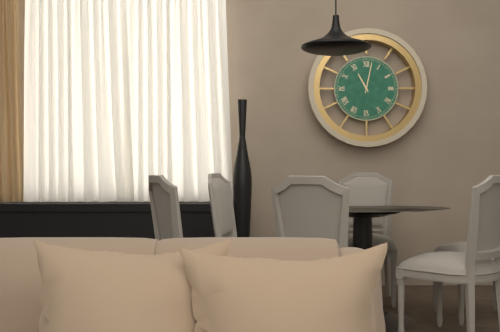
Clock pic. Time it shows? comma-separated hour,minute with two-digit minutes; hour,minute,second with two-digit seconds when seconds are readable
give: 11,02
